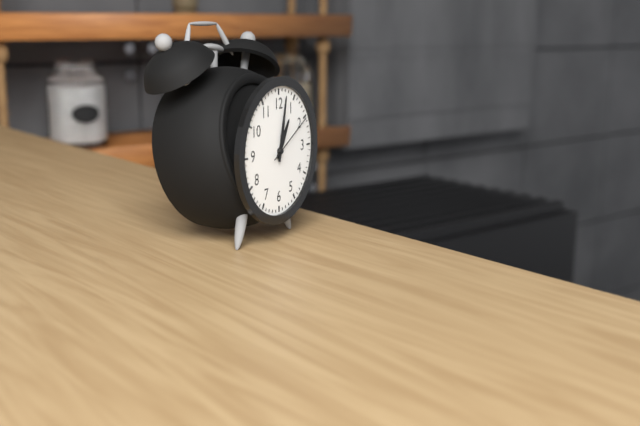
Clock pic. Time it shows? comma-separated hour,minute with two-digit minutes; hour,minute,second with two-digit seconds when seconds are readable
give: 1,02,10
